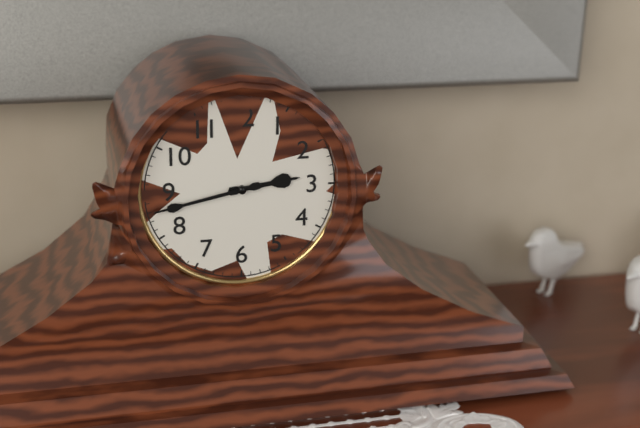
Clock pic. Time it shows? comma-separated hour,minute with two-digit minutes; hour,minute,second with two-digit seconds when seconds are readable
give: 2,43
